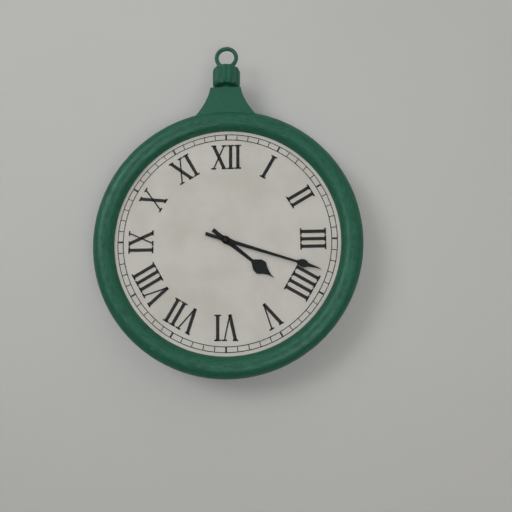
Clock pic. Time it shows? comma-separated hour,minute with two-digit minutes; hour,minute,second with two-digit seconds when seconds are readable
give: 4,18
